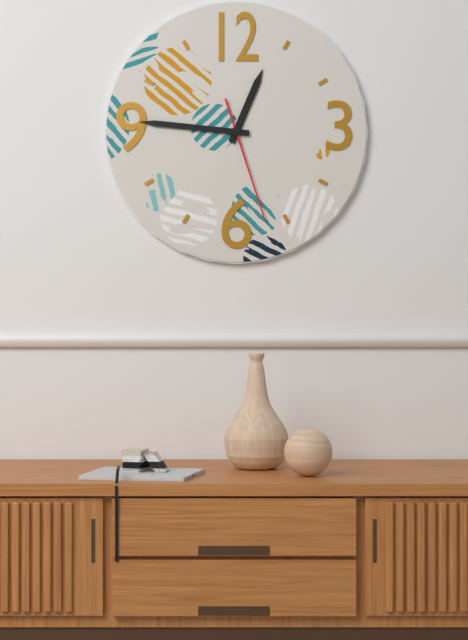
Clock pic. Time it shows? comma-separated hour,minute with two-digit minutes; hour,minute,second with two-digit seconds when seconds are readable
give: 12,46,27
